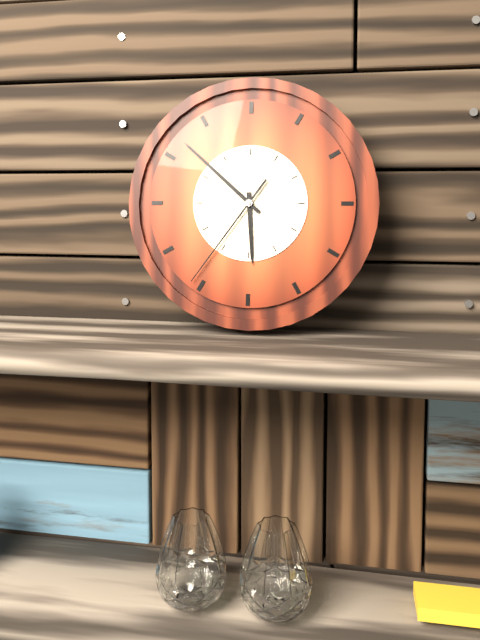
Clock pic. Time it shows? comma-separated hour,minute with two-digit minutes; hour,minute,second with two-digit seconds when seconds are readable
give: 5,52,36
